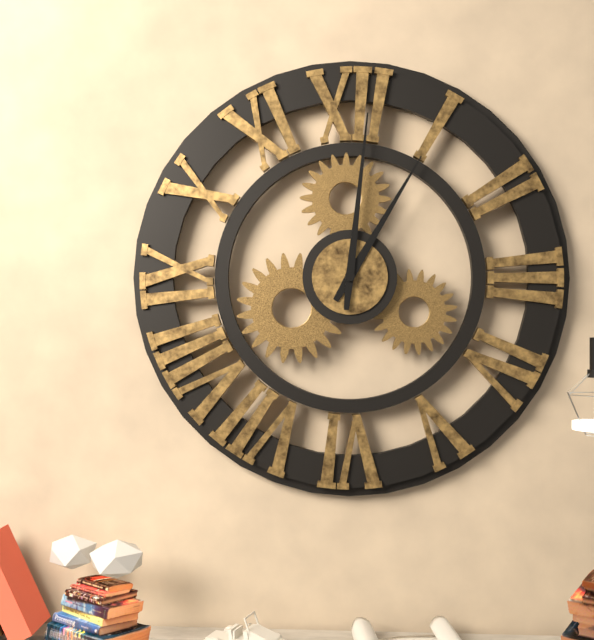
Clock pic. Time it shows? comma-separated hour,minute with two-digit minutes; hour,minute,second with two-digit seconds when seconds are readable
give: 1,01
